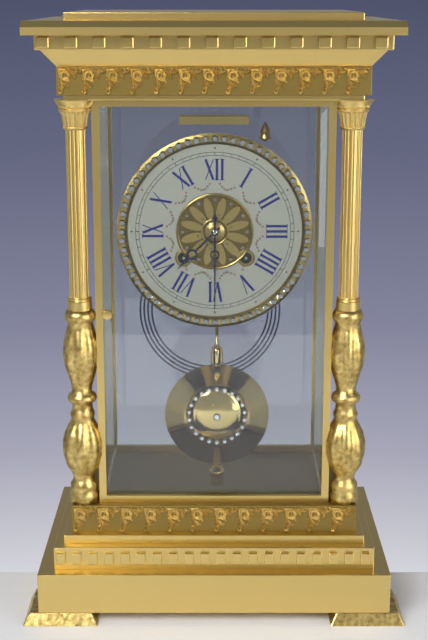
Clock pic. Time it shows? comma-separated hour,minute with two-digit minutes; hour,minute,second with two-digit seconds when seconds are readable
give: 7,30
